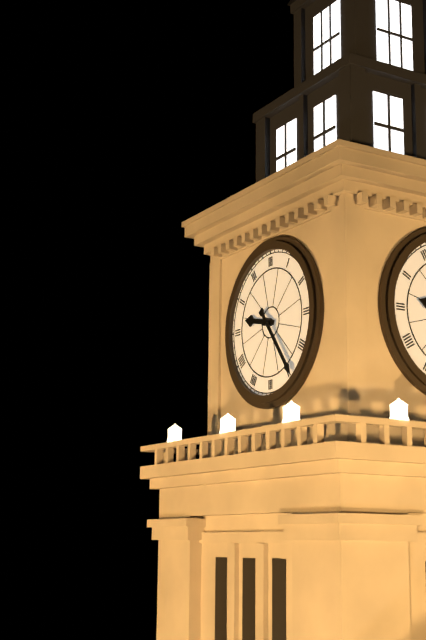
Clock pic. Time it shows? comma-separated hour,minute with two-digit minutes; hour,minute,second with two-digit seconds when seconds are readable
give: 9,24
